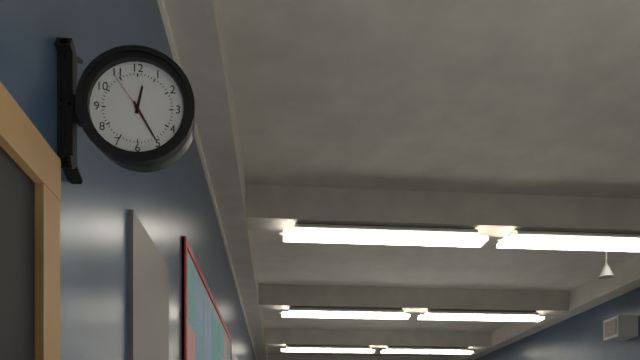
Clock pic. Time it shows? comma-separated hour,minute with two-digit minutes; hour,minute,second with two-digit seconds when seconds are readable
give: 12,25
